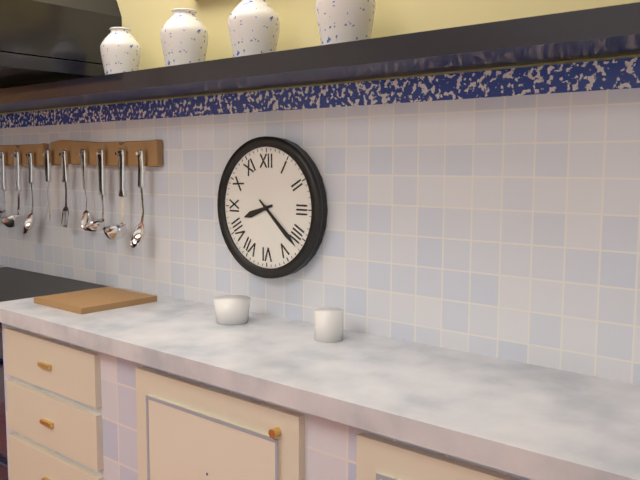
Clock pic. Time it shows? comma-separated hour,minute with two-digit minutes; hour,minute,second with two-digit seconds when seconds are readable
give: 8,22
